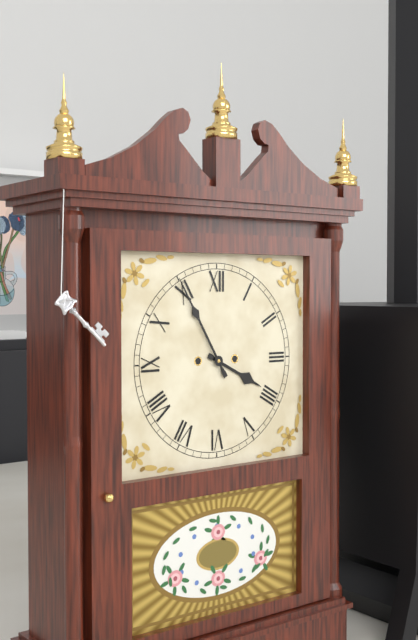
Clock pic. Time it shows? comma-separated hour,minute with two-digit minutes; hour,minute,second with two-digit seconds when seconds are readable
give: 3,55
